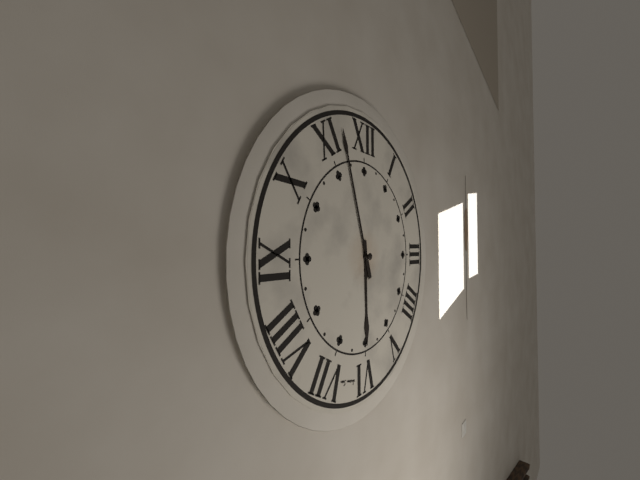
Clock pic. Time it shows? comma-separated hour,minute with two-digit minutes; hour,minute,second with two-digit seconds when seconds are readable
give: 5,57
